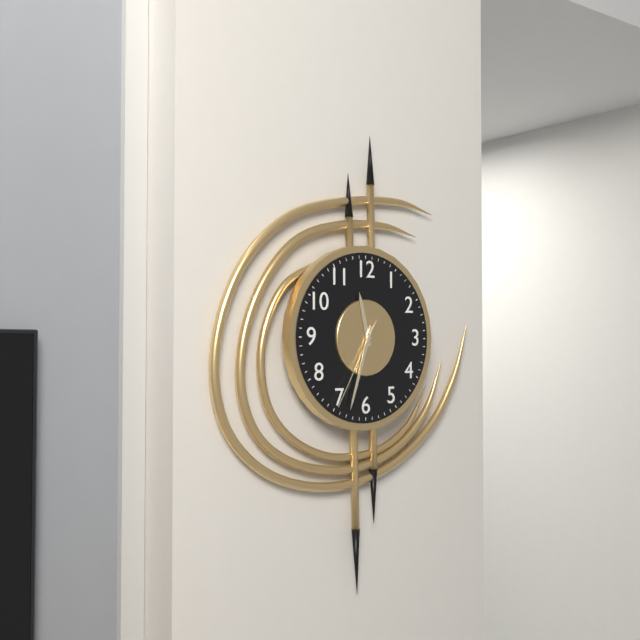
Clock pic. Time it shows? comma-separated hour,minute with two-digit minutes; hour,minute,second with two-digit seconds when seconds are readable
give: 11,33,35
